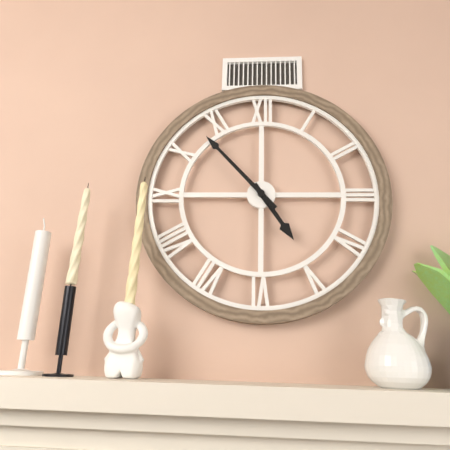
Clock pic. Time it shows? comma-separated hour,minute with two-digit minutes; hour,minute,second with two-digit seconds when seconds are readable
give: 4,53
